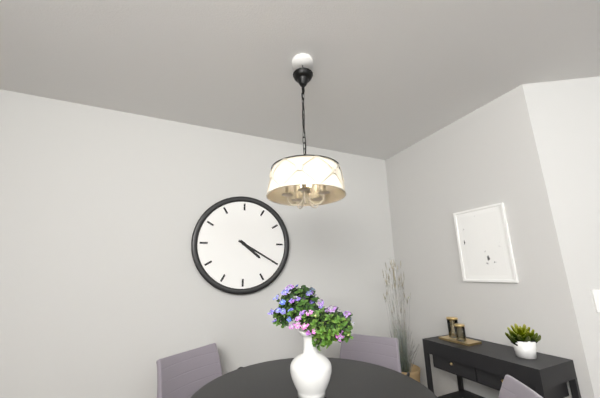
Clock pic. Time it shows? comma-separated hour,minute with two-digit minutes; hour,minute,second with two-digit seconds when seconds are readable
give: 4,20
